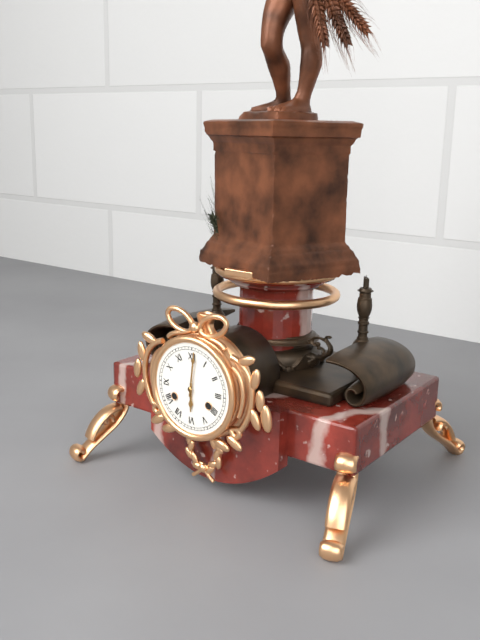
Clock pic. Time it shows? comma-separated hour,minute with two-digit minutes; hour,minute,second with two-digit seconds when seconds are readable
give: 6,01
